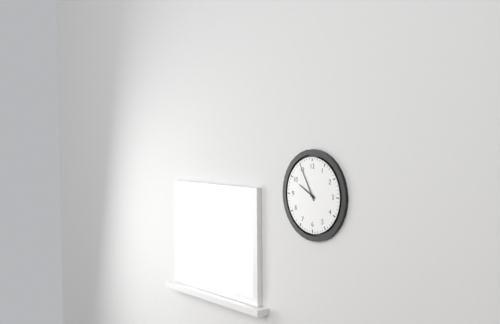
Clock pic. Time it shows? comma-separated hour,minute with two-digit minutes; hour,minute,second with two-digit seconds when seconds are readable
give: 9,55
